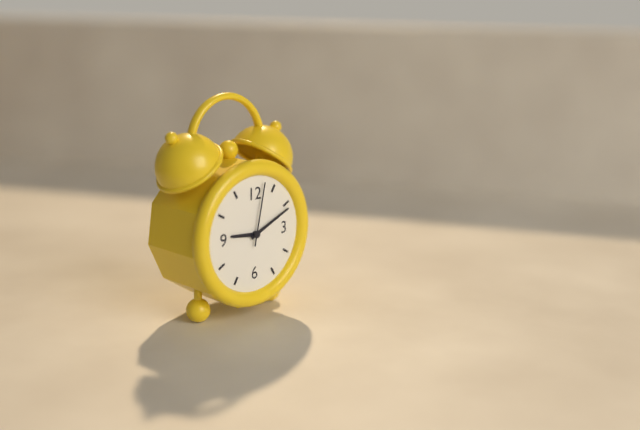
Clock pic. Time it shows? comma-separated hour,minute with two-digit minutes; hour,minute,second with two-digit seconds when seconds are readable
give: 9,11,02
